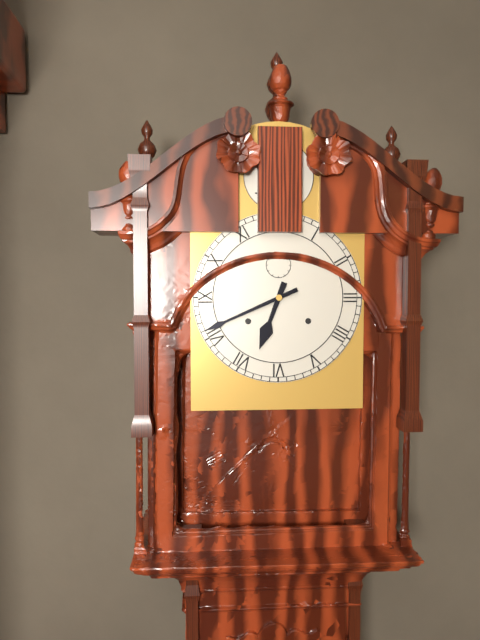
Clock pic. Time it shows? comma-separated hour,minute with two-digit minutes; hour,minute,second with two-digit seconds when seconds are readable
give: 6,41
